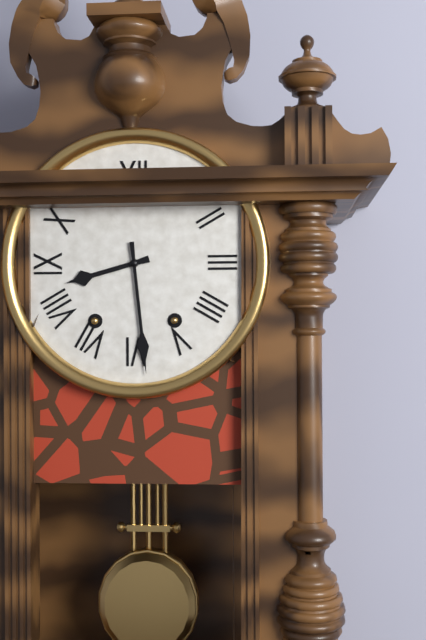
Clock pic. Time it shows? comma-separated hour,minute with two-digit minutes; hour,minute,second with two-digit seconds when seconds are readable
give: 8,29
